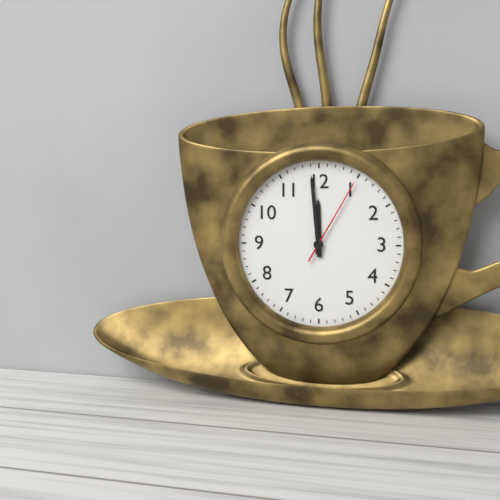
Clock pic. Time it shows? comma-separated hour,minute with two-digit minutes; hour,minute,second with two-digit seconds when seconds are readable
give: 11,59,05
